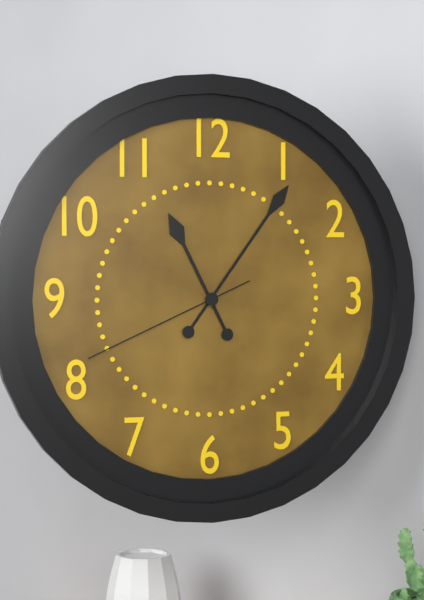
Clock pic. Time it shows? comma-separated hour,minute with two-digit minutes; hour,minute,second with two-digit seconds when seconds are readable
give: 11,06,41
